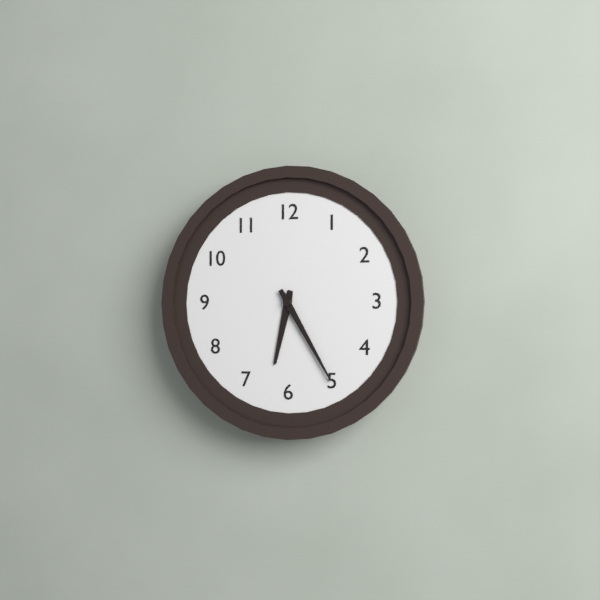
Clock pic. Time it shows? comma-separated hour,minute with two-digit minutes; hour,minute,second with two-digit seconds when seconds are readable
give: 6,25
